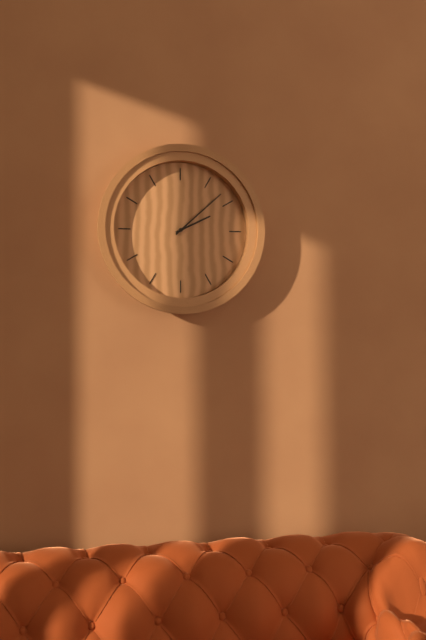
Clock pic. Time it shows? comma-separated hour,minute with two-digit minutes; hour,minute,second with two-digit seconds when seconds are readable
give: 2,08
